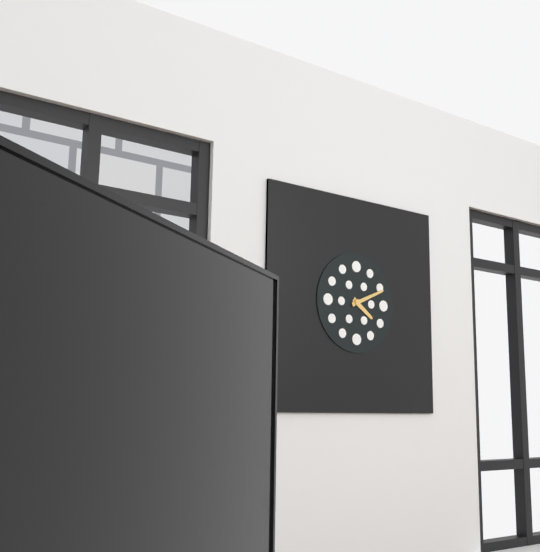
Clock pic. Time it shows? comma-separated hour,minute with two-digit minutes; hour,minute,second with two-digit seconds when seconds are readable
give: 4,11
